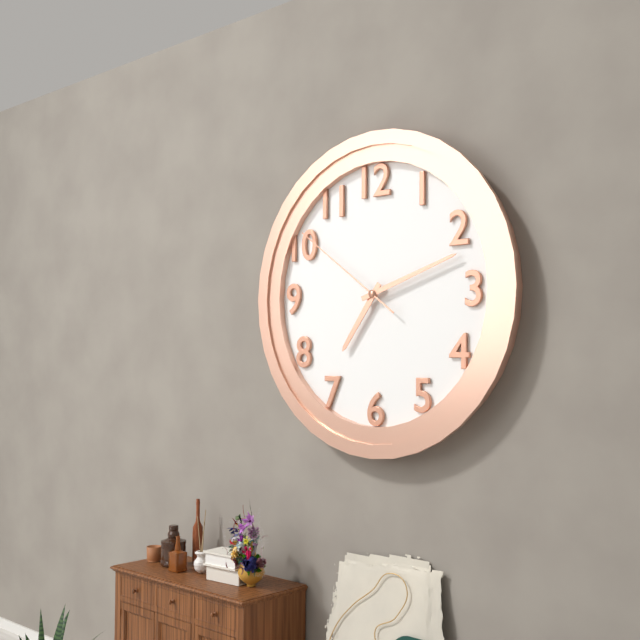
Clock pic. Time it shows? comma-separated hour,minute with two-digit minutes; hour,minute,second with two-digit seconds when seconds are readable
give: 7,12,51
